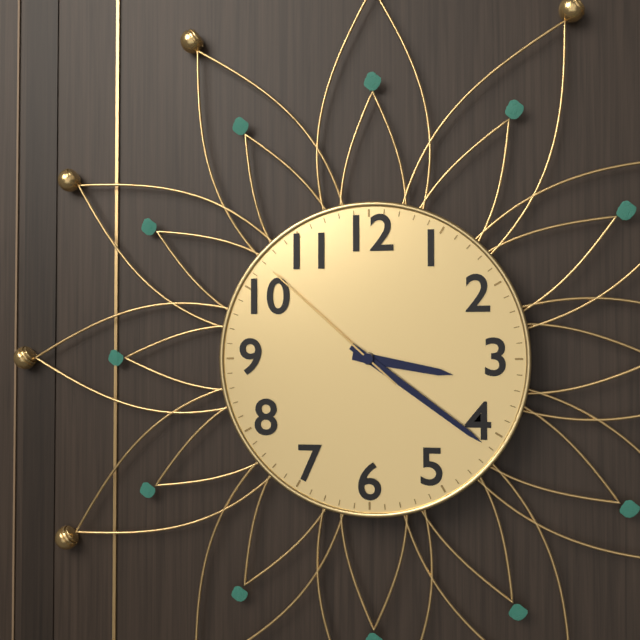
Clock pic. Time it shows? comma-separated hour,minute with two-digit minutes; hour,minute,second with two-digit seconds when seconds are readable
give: 3,21,52
